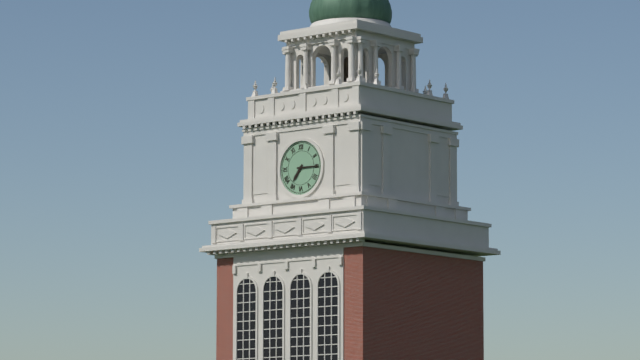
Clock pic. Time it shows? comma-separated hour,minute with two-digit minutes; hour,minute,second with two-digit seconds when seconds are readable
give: 7,15
